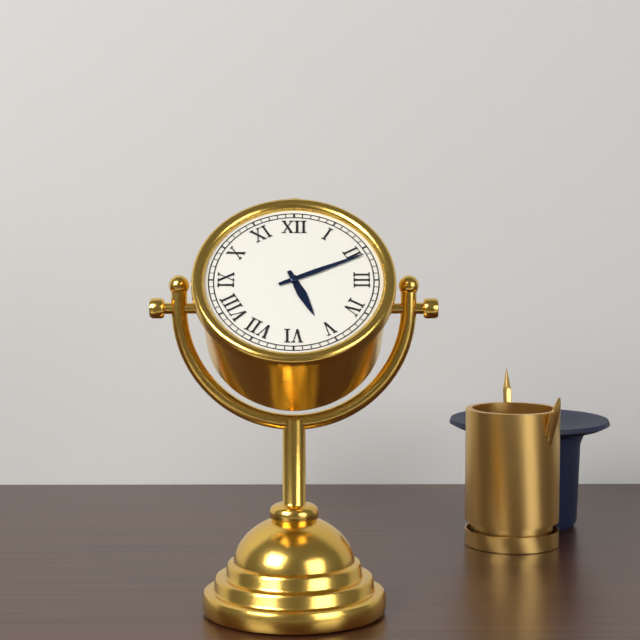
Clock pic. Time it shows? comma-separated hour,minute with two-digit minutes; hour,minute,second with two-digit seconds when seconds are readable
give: 5,11
